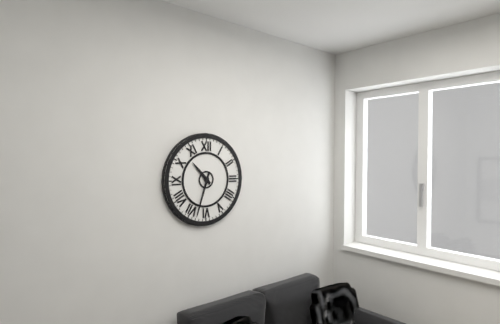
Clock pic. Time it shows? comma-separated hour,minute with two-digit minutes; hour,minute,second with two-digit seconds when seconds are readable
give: 10,33
